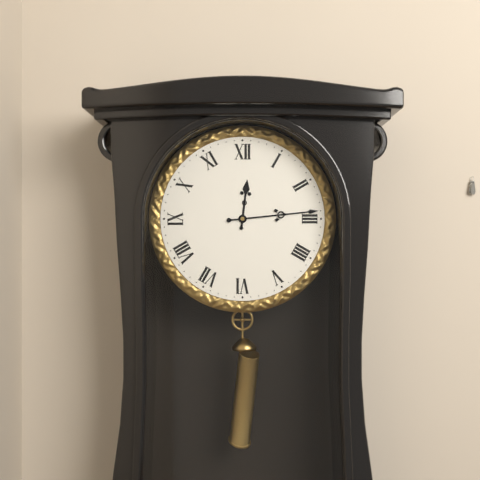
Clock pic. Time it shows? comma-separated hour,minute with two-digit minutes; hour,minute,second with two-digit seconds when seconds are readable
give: 12,14
